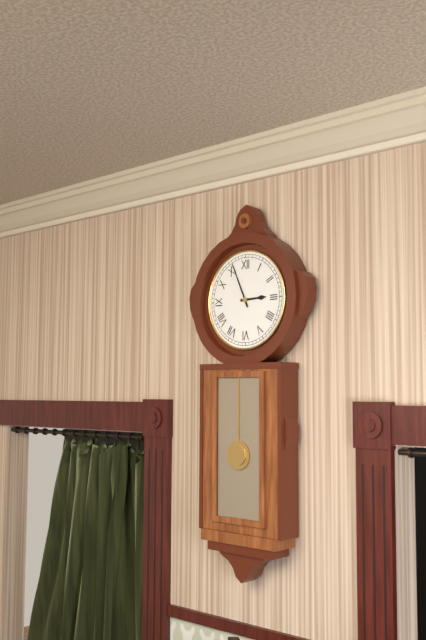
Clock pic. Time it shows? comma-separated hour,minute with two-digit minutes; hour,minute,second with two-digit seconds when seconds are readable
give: 2,56
